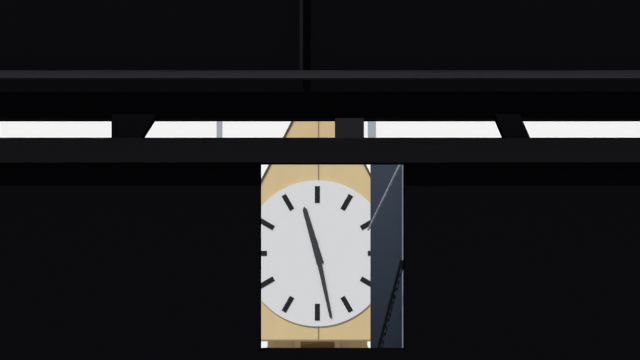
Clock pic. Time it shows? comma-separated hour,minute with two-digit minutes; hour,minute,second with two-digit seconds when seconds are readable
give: 11,28
